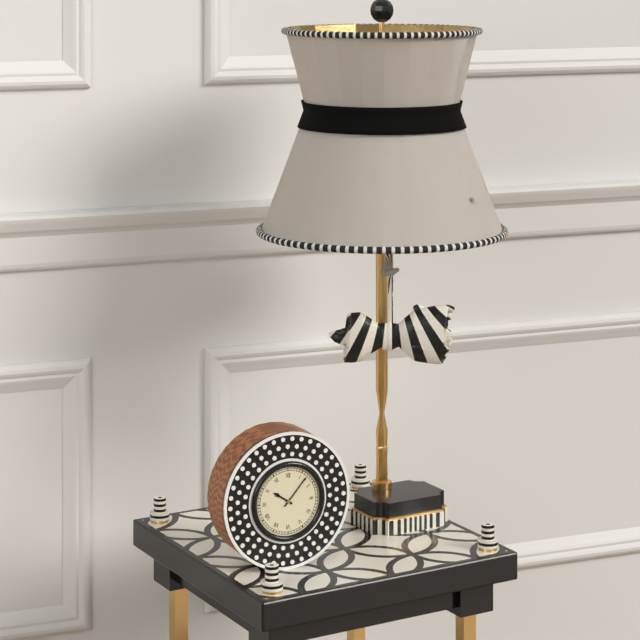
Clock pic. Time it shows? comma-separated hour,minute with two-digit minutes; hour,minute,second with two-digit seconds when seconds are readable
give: 10,07
